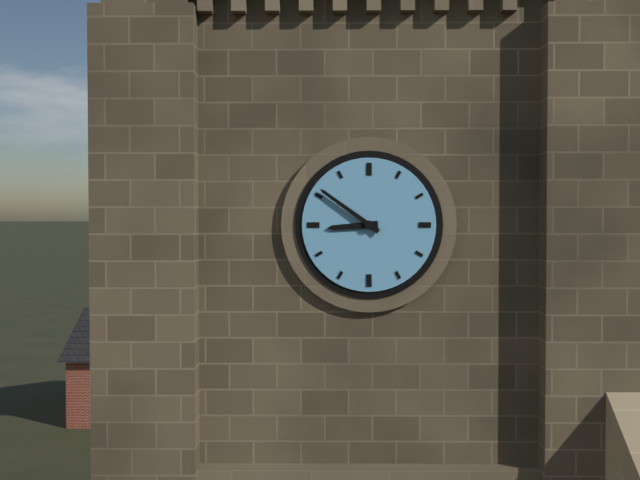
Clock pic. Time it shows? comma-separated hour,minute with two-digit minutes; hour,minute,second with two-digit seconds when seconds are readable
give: 8,51
